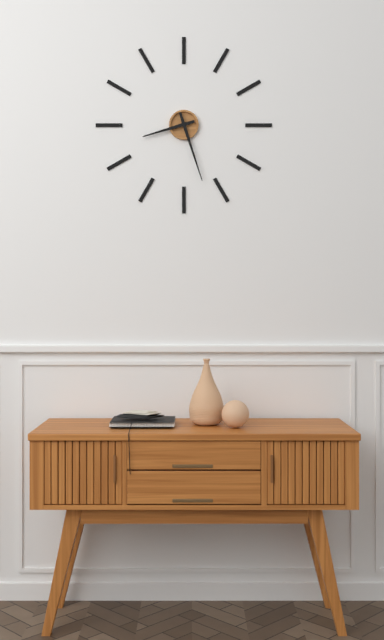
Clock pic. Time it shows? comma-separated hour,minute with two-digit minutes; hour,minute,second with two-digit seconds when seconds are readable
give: 8,27
